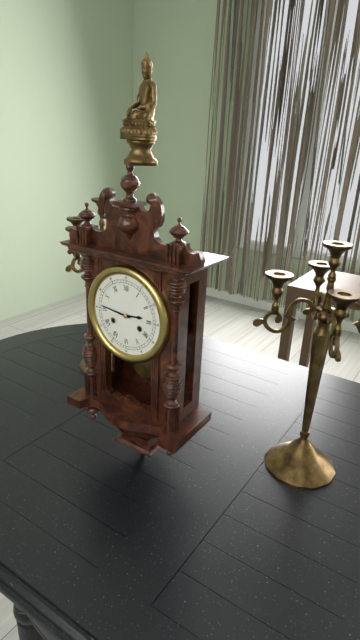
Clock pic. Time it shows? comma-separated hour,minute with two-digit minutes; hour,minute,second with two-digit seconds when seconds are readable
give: 2,46
